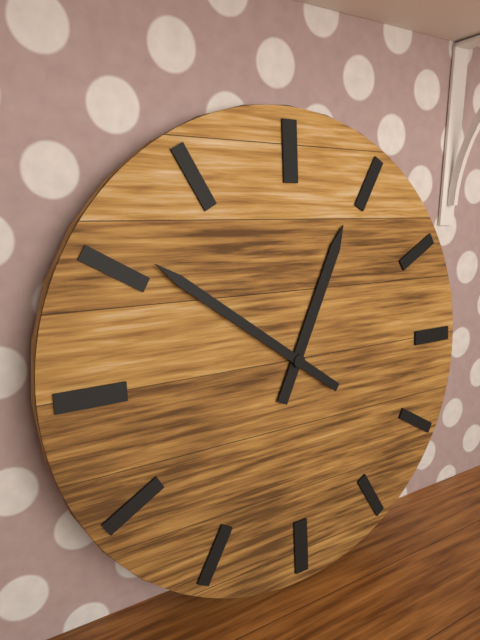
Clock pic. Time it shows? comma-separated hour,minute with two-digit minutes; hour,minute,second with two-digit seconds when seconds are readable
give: 12,51
